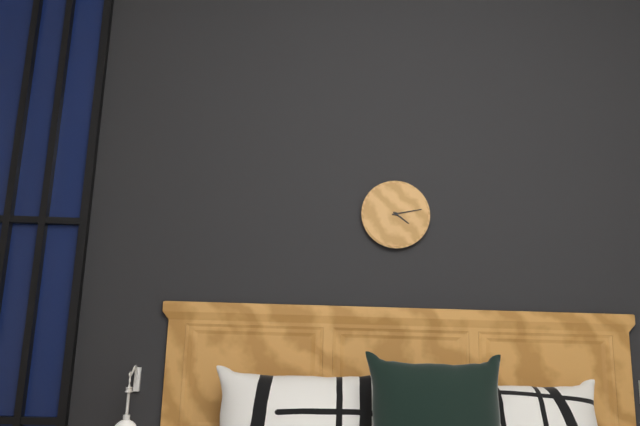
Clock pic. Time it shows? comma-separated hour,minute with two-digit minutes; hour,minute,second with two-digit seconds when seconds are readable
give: 4,13
